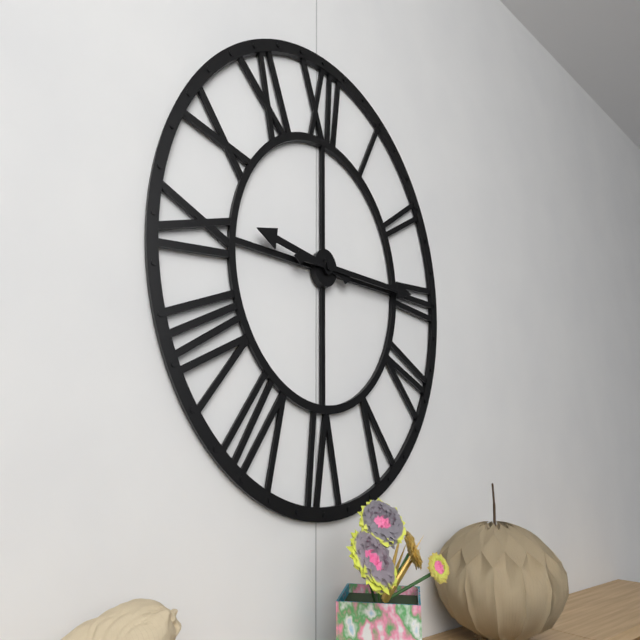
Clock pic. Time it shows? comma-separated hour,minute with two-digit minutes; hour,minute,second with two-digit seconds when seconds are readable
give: 9,15
